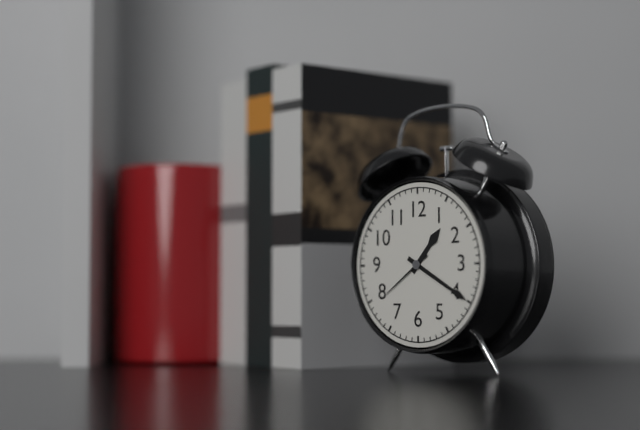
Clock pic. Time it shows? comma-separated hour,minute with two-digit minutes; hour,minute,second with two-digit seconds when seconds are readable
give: 1,20,39
